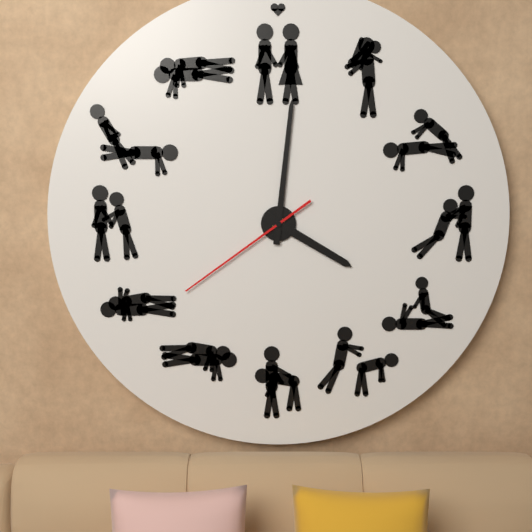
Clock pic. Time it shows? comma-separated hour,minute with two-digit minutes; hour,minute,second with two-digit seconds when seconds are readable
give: 4,01,39
